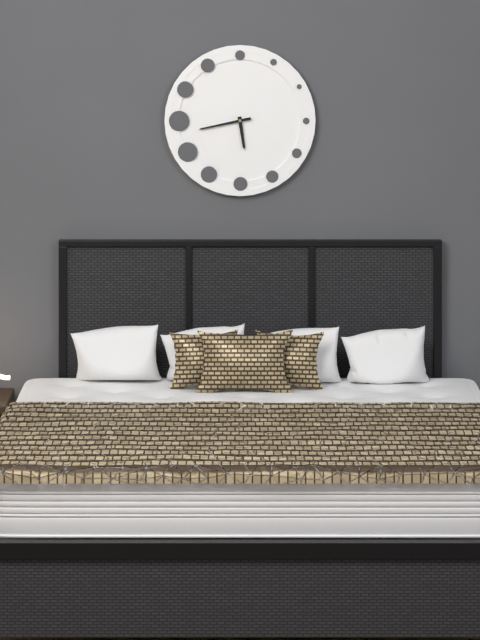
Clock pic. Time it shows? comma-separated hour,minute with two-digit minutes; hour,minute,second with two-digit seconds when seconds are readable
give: 5,43
